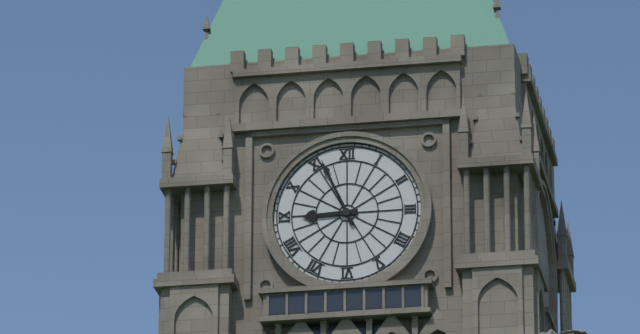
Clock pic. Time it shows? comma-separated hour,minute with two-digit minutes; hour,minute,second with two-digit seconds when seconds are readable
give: 8,56
